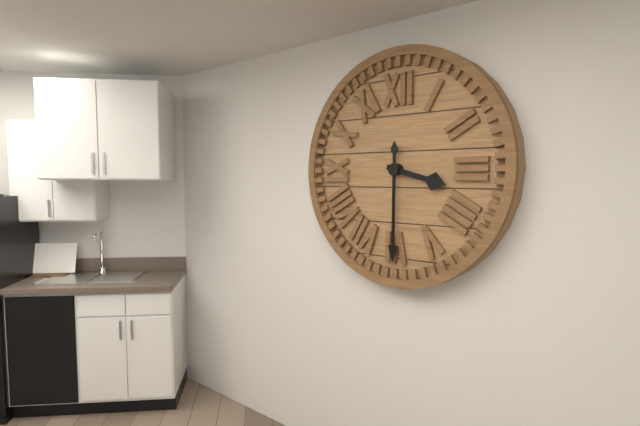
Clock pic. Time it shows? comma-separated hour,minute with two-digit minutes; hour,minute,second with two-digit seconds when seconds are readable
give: 3,30
